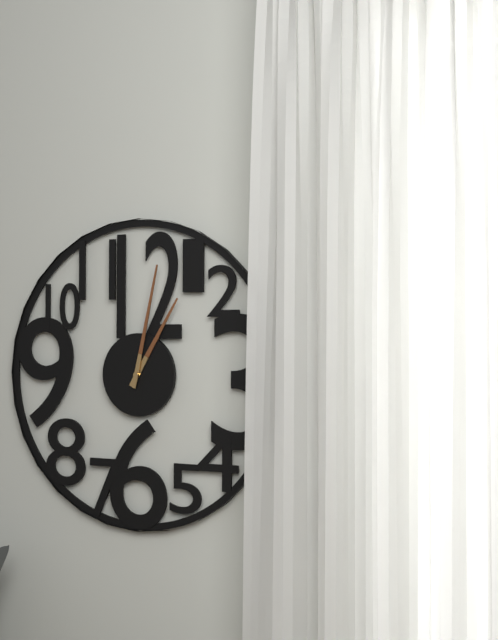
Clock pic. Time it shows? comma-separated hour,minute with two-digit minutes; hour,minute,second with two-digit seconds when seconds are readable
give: 1,02
